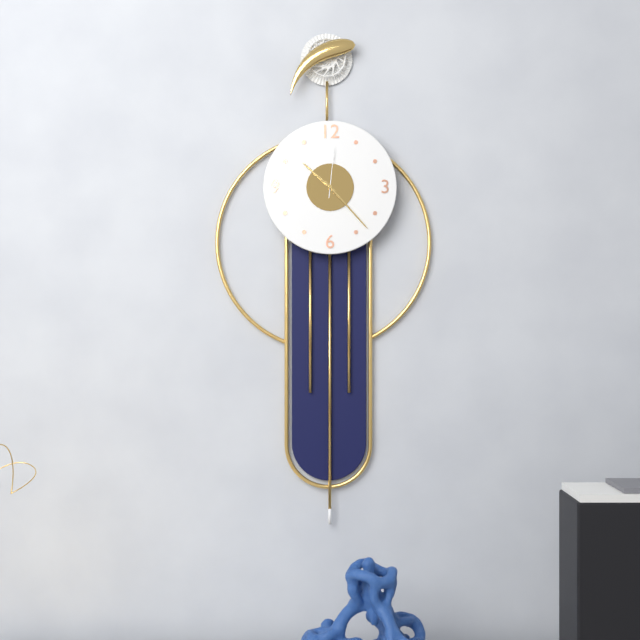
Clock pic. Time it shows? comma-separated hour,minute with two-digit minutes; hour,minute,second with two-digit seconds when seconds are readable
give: 10,23,01
